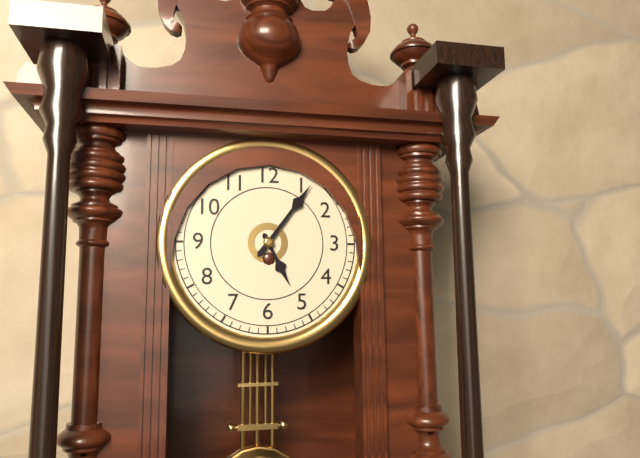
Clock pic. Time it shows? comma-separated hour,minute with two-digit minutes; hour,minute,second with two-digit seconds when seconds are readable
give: 5,06
